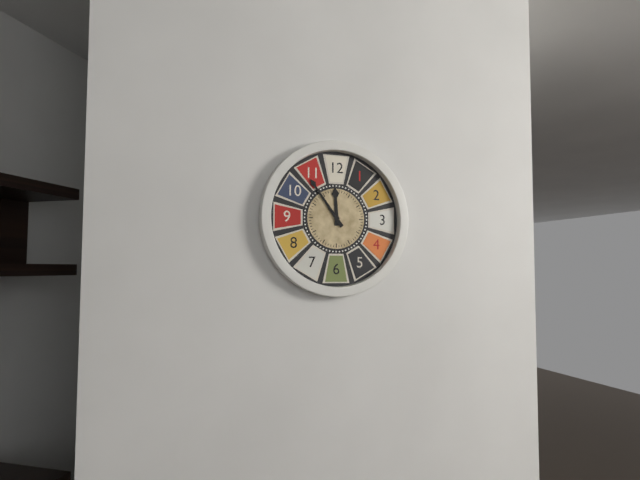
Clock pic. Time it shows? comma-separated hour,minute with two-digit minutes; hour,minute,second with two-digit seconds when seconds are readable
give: 11,54
